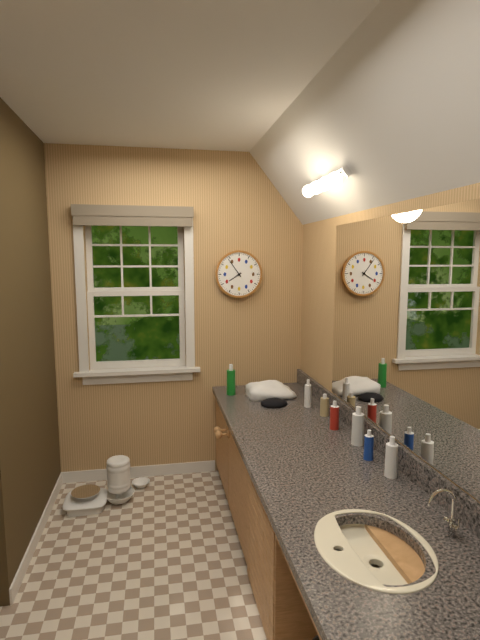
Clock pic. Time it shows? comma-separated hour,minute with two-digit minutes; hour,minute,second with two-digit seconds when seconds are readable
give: 7,54
